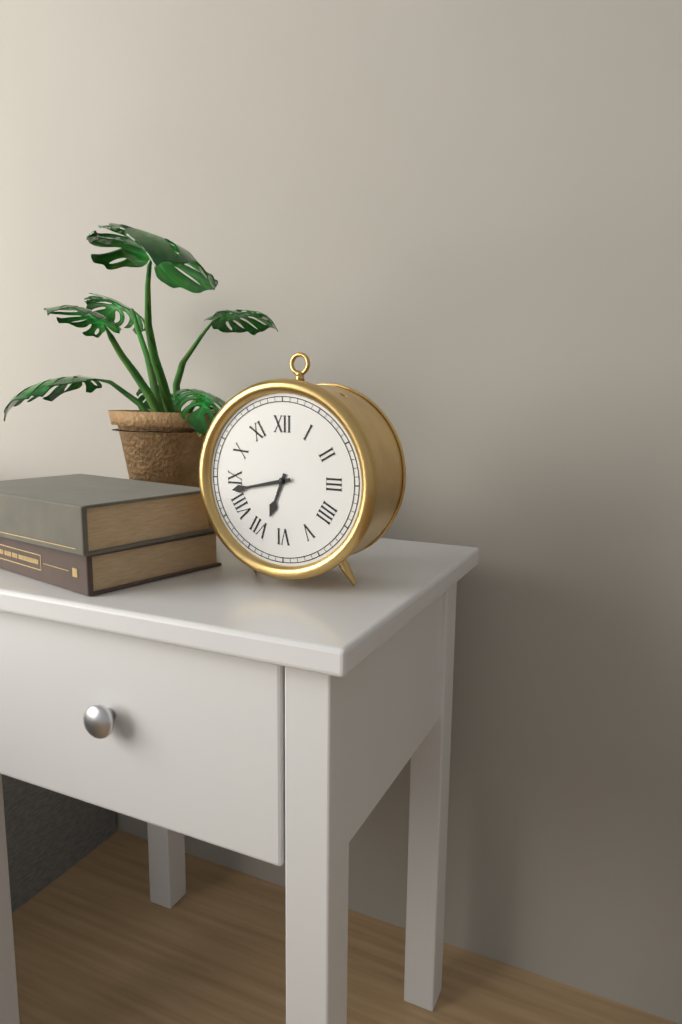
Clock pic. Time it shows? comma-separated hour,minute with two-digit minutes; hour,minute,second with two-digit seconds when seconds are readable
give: 6,43
